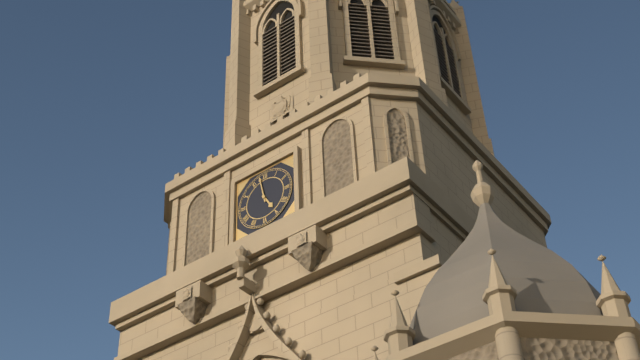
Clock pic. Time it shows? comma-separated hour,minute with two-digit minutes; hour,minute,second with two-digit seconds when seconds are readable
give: 4,58
